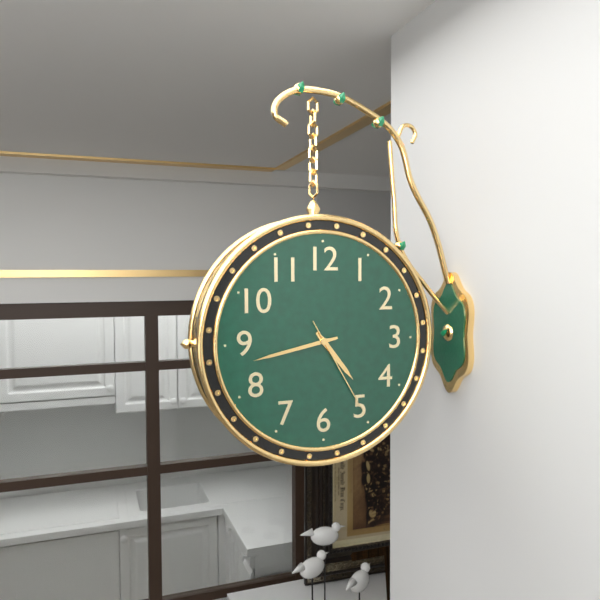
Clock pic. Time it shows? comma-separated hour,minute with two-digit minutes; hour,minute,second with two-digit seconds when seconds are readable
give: 4,43,25
